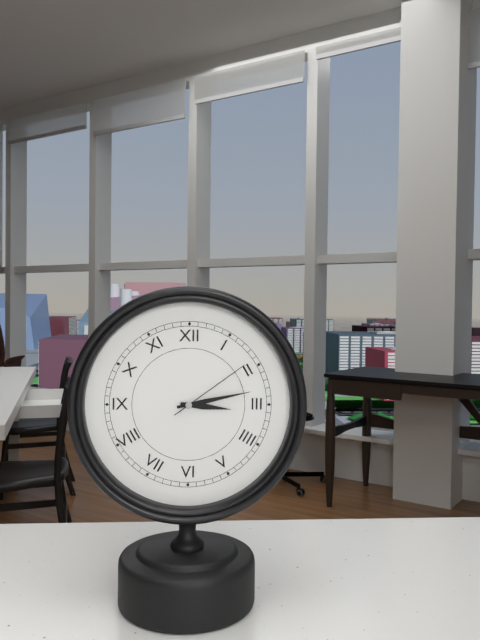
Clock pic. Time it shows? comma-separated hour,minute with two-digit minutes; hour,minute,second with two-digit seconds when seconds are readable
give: 3,13,09
